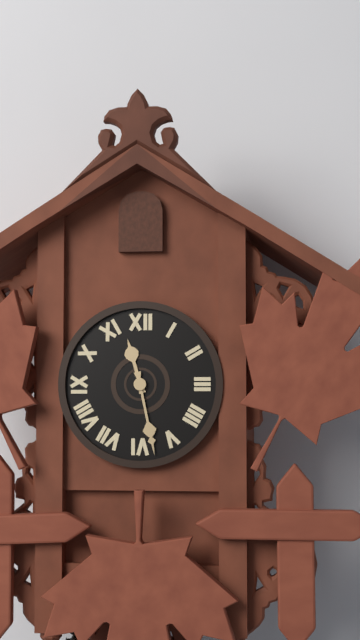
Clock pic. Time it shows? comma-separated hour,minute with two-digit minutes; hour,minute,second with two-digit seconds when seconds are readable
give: 11,28
